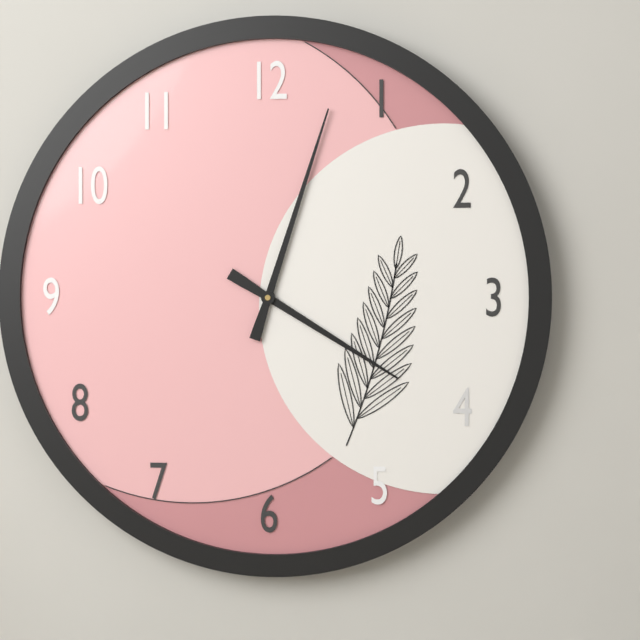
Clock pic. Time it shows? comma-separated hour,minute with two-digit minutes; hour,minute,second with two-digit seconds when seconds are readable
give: 4,03
